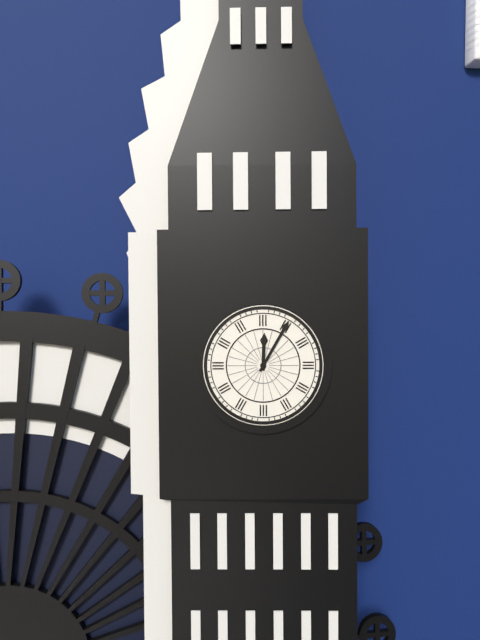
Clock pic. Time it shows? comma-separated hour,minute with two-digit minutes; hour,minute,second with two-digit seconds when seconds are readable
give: 12,05
